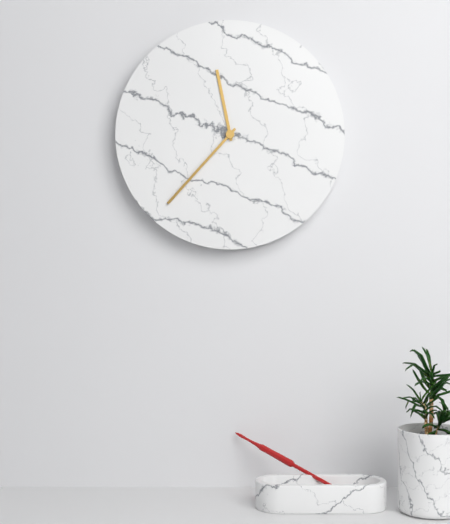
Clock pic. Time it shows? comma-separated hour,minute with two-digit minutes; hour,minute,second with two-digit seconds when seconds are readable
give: 11,37
